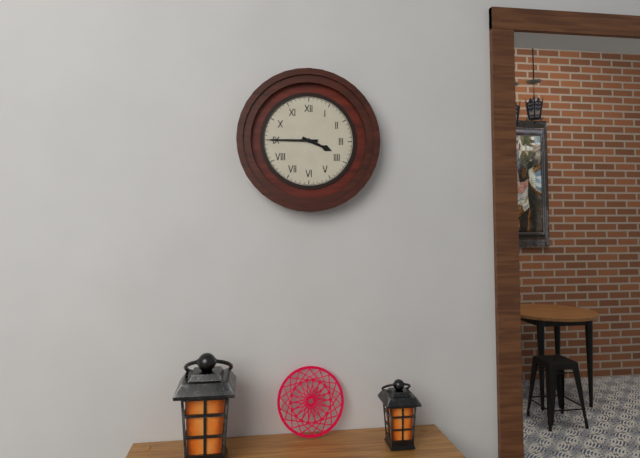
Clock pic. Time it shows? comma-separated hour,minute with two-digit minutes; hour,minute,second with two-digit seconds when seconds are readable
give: 3,45
